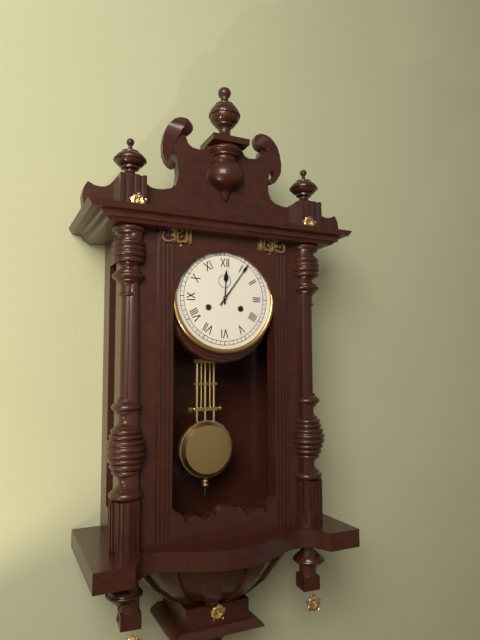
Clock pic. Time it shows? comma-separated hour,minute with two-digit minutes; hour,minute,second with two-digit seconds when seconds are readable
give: 12,06
